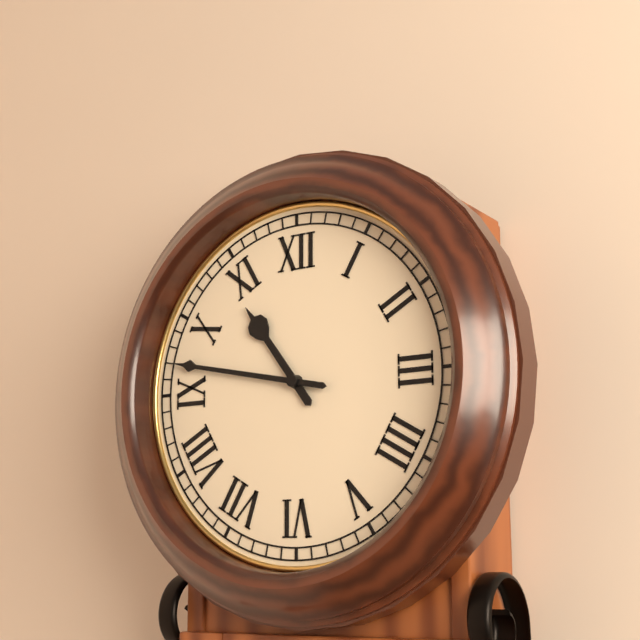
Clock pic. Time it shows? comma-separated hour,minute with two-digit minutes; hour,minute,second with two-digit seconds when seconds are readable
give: 10,47
